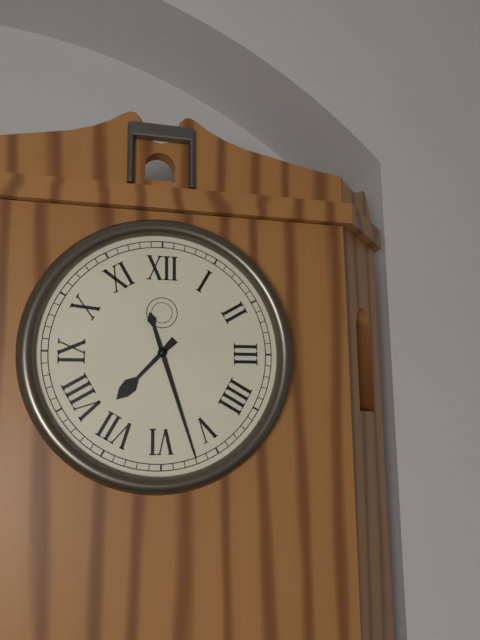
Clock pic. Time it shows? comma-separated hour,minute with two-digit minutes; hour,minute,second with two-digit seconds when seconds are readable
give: 7,27
